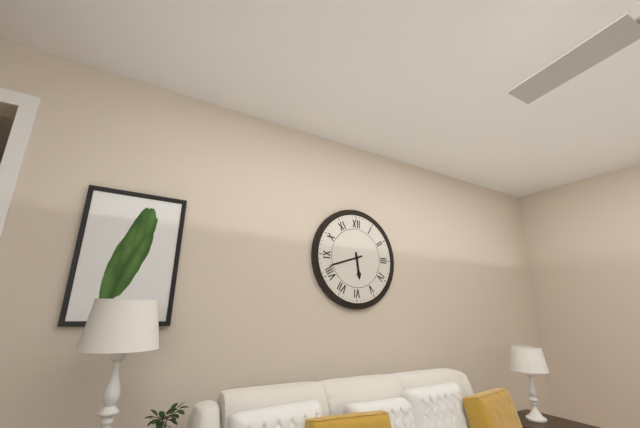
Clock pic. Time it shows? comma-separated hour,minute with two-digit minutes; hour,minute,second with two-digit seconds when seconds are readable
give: 5,42
